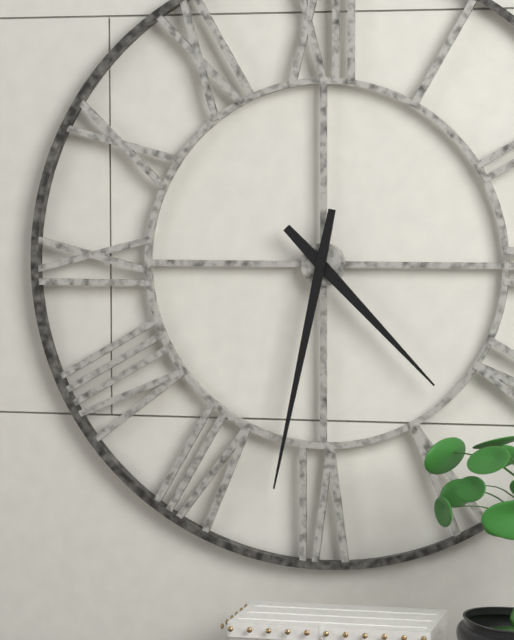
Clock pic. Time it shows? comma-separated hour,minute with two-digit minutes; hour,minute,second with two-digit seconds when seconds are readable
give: 4,32
